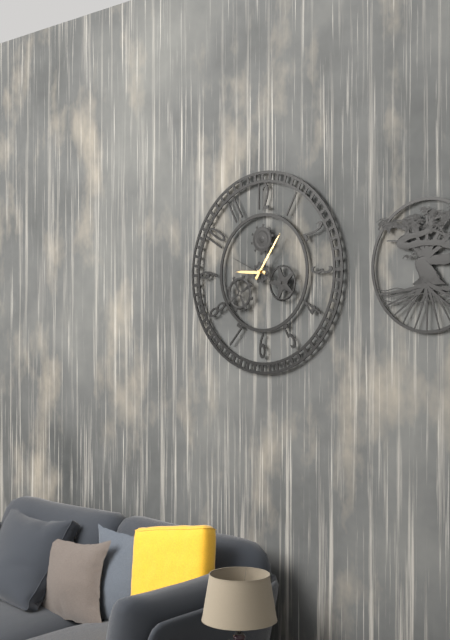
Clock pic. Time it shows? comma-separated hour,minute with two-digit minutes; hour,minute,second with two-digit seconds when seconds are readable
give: 9,06
